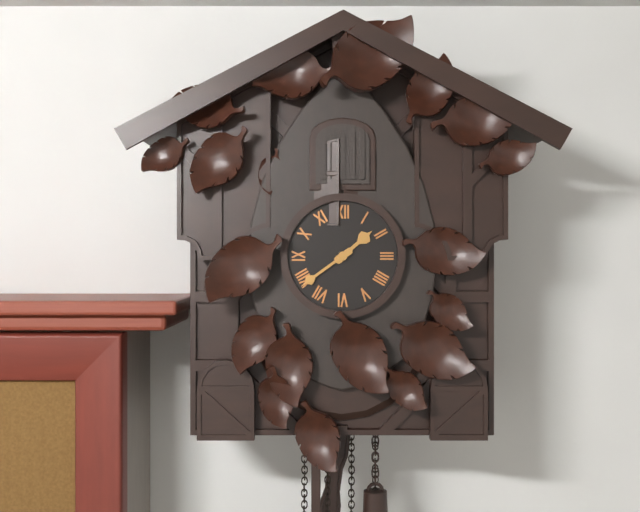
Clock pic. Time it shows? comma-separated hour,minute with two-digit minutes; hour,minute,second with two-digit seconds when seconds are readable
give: 1,39
